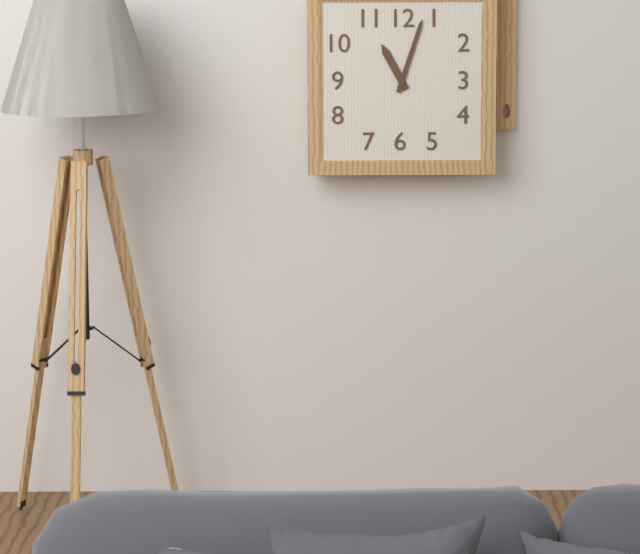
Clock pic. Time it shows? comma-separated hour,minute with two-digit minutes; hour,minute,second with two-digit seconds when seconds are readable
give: 11,03
